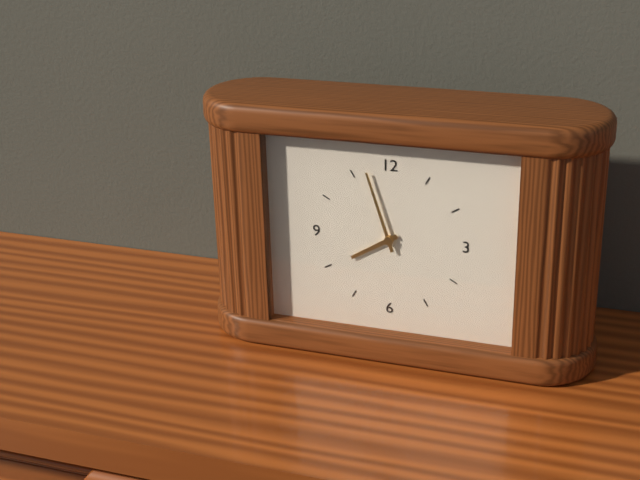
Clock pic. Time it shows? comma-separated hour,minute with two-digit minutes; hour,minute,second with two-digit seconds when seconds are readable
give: 7,57
